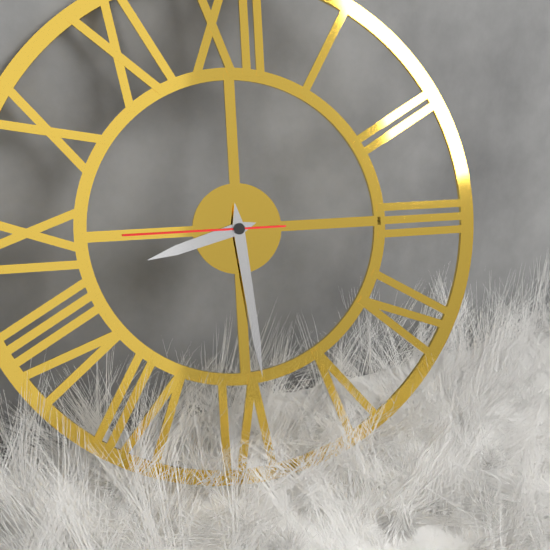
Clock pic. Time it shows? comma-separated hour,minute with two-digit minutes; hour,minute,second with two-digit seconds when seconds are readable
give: 8,29,45
